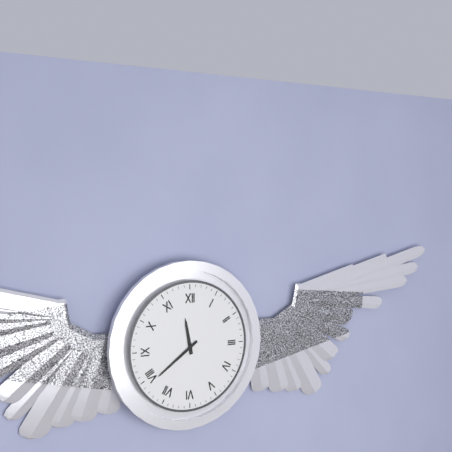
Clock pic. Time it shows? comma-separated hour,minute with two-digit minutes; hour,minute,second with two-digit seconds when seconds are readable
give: 11,39
